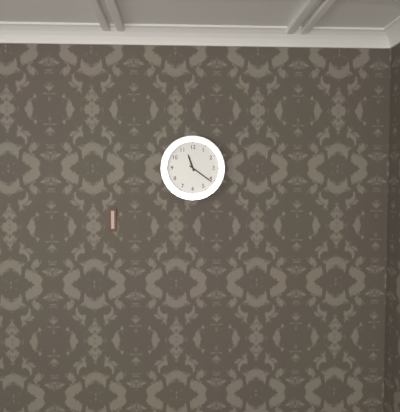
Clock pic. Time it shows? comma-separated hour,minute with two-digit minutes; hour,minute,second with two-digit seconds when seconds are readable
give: 11,21
